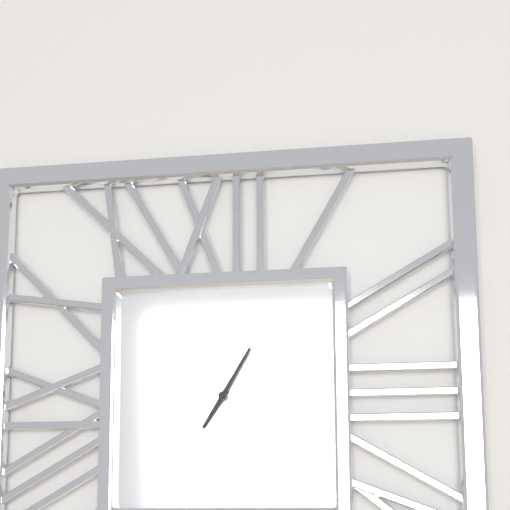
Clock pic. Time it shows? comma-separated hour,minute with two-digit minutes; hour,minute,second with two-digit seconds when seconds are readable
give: 7,05
